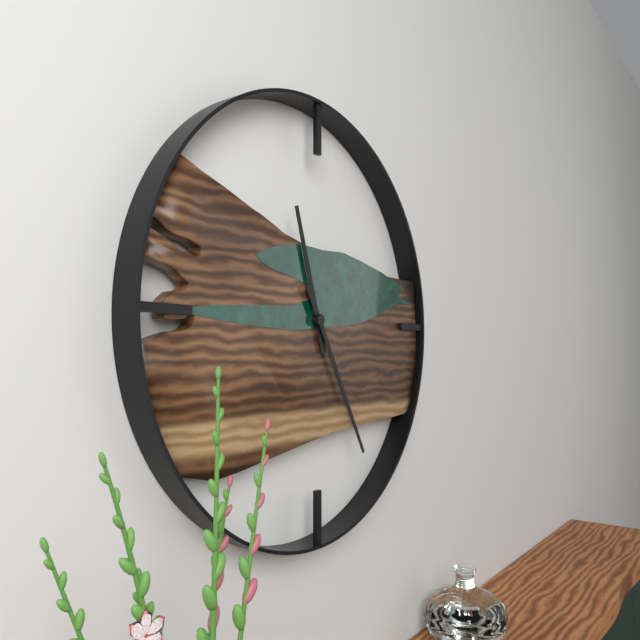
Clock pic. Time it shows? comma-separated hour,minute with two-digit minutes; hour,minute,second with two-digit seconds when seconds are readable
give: 11,25
